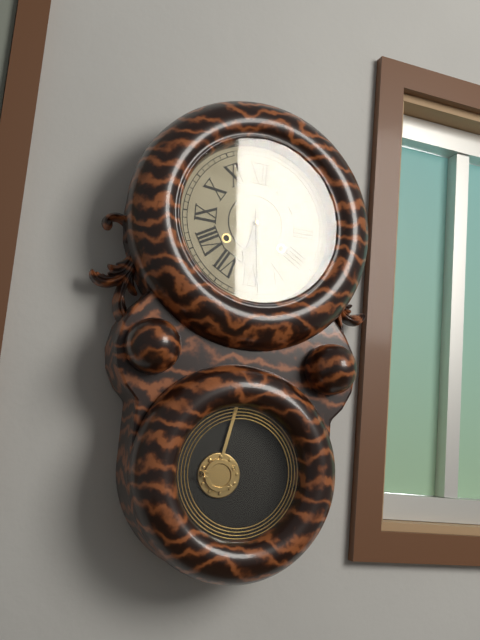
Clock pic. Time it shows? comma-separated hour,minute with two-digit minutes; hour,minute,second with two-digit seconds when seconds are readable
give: 6,29
